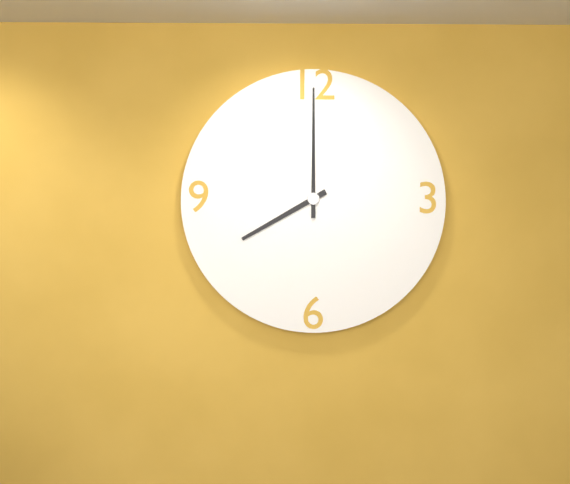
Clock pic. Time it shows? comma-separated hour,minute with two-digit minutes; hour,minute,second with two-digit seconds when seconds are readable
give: 8,00
